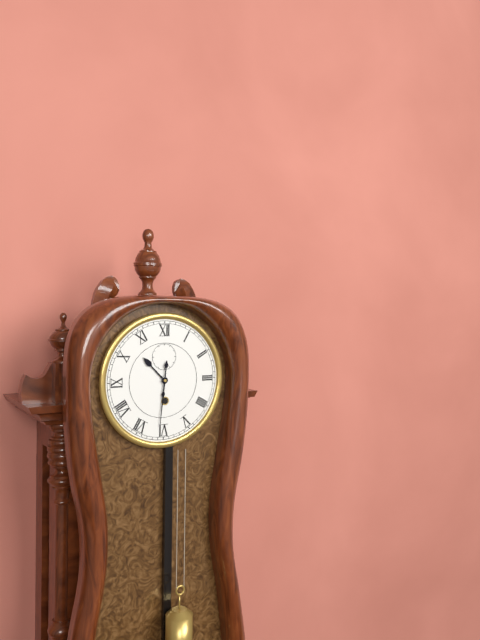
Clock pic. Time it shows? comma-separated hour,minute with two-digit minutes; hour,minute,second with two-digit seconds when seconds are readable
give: 10,31
